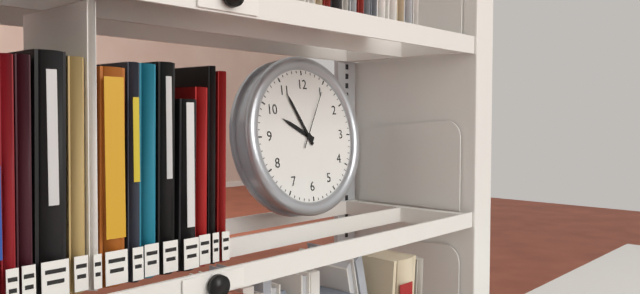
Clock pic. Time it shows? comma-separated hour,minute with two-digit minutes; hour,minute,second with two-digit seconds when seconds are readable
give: 9,55,05
